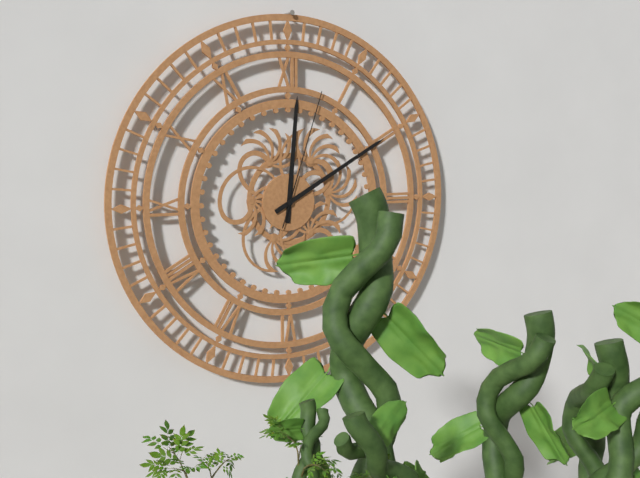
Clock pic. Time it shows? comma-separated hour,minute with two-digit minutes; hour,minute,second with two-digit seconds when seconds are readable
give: 12,10,03
